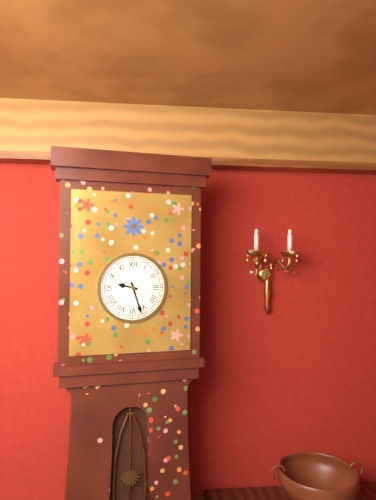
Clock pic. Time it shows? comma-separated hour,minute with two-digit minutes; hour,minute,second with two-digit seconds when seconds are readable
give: 9,27
